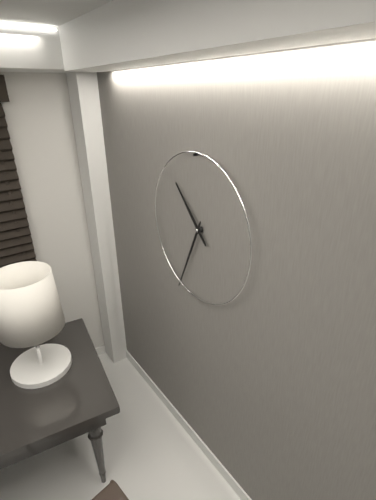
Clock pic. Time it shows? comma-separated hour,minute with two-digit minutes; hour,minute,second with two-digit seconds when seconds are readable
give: 10,34
